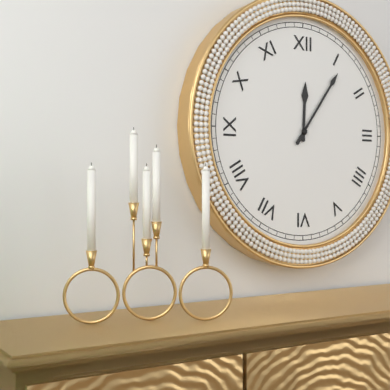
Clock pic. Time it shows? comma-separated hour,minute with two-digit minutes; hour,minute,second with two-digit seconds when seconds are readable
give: 12,06
